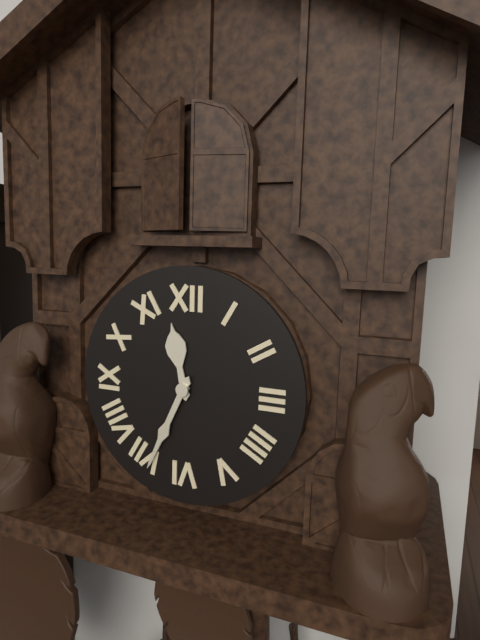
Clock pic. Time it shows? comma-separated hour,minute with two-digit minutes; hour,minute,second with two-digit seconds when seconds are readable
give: 11,34
